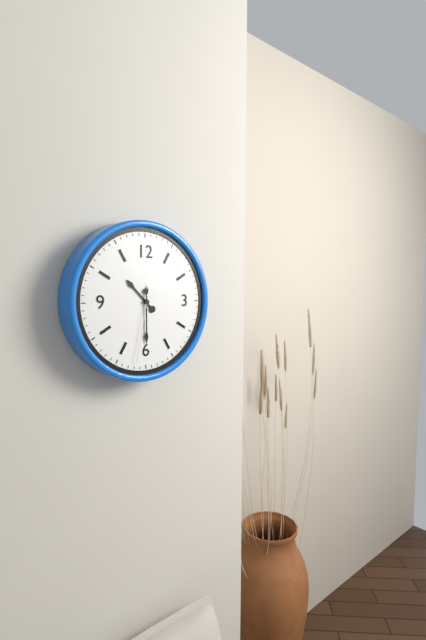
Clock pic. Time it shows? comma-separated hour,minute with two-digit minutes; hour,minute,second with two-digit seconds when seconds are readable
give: 10,30,32
